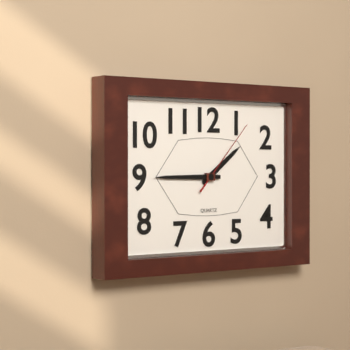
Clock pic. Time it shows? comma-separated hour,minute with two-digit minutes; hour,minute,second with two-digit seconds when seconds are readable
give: 1,45,07
